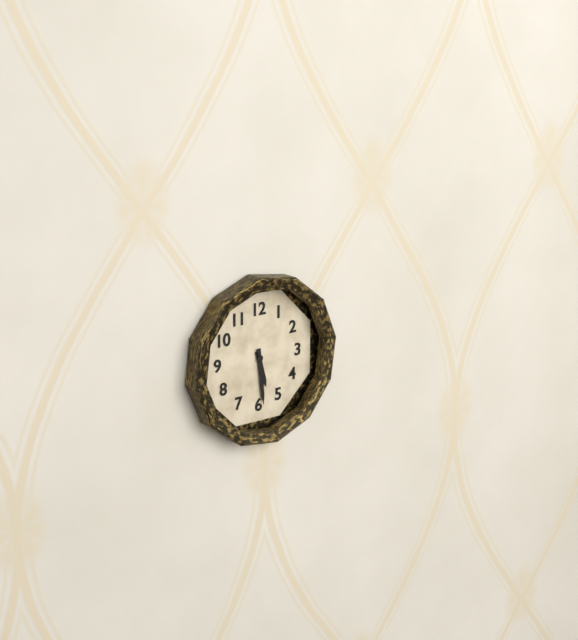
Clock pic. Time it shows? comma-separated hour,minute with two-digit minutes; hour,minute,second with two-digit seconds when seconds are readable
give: 5,29
